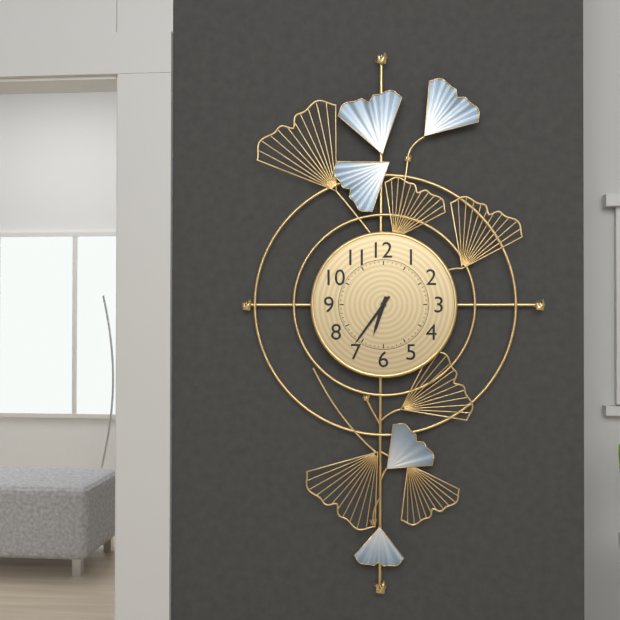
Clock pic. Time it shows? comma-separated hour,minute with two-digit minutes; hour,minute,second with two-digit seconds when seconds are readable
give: 6,36
